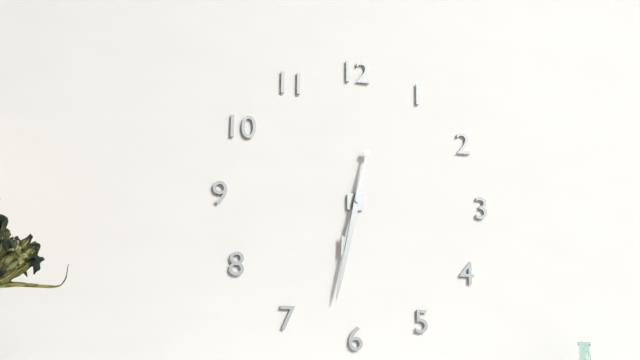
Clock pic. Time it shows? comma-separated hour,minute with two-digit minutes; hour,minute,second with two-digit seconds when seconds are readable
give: 6,32
